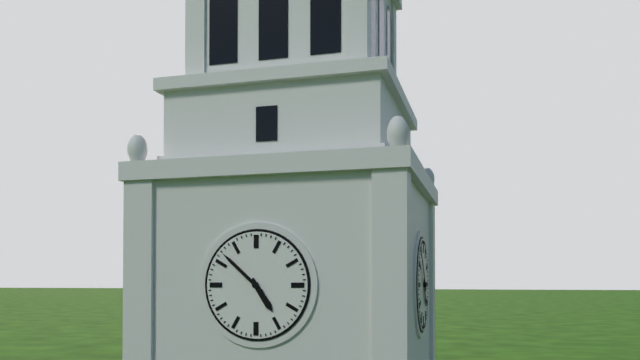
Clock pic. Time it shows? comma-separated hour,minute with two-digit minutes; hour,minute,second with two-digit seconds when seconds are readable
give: 4,52
